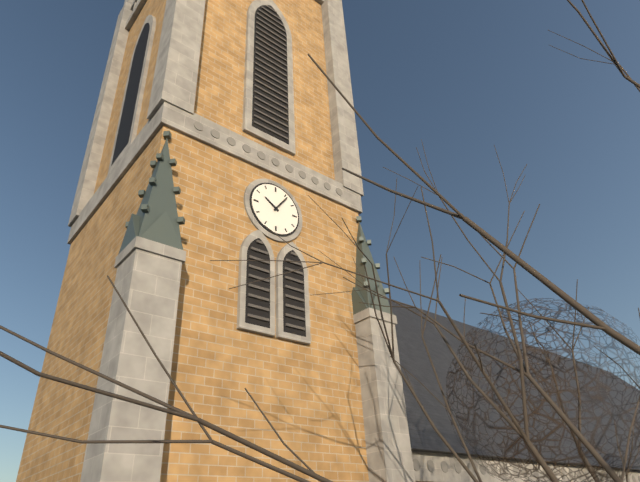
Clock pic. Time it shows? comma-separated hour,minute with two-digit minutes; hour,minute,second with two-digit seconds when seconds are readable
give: 10,06
